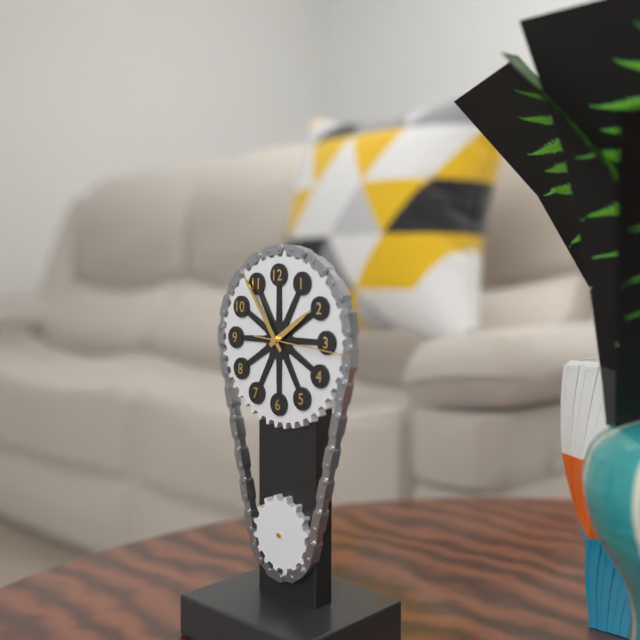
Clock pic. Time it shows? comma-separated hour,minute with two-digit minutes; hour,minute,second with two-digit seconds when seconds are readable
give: 1,54,16
